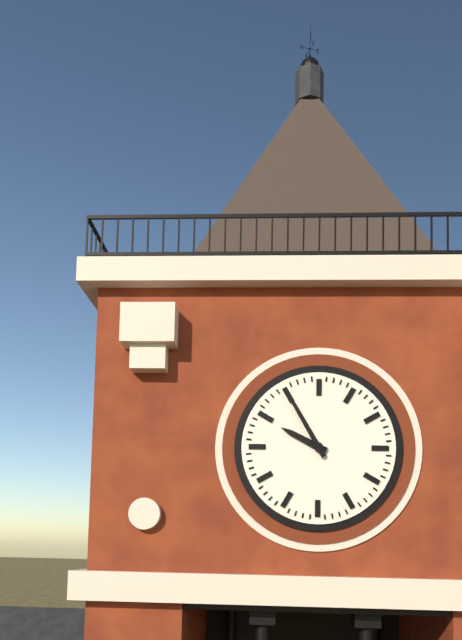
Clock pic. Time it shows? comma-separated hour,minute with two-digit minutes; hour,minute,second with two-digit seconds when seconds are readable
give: 9,55
